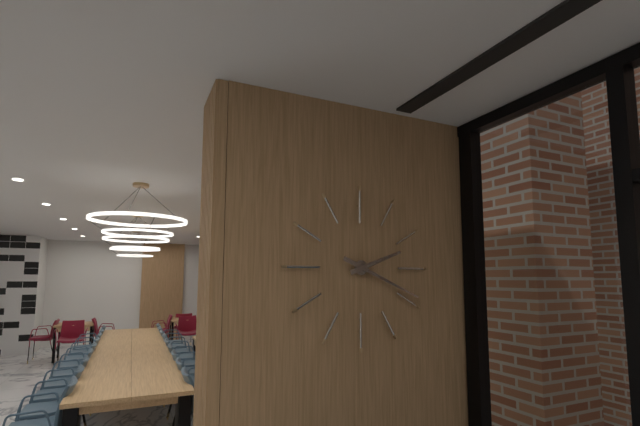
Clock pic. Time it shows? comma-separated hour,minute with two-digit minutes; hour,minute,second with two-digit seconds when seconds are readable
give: 2,19
